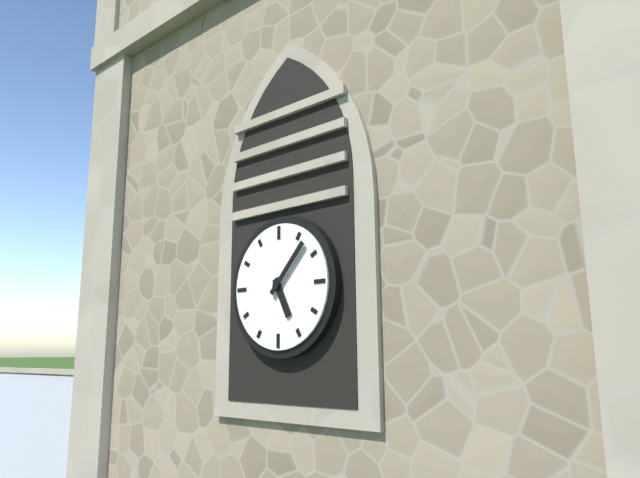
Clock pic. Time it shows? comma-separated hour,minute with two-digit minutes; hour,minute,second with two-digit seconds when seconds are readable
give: 5,07
